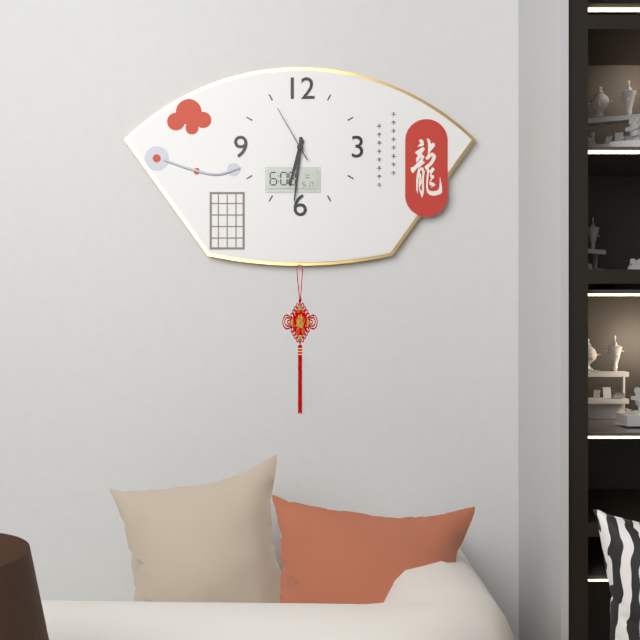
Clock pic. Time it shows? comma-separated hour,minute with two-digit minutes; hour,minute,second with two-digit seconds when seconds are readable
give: 6,31,55
